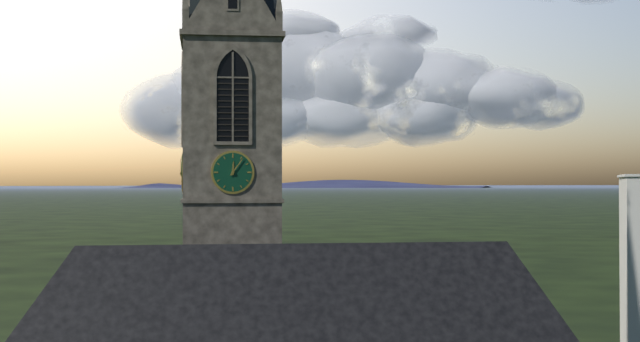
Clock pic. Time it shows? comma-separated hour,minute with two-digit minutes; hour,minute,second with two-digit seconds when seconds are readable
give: 12,06
